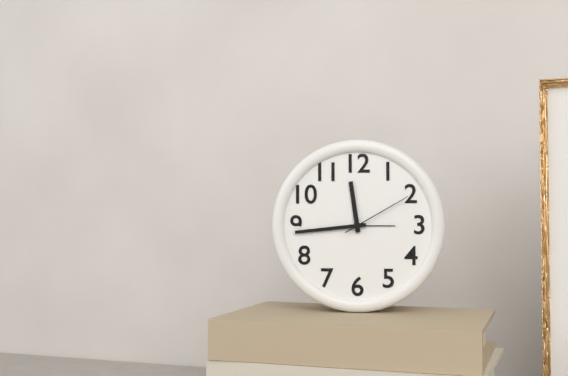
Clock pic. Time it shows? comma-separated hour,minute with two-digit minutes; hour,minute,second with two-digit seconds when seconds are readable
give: 11,44,10
